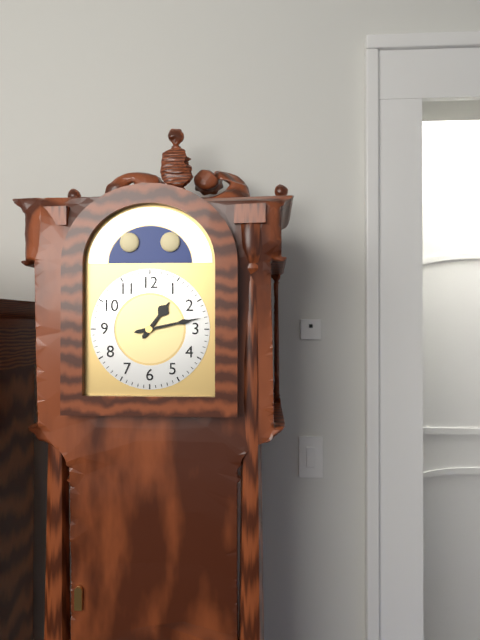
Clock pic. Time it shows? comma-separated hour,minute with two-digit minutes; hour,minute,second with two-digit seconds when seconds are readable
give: 1,13
